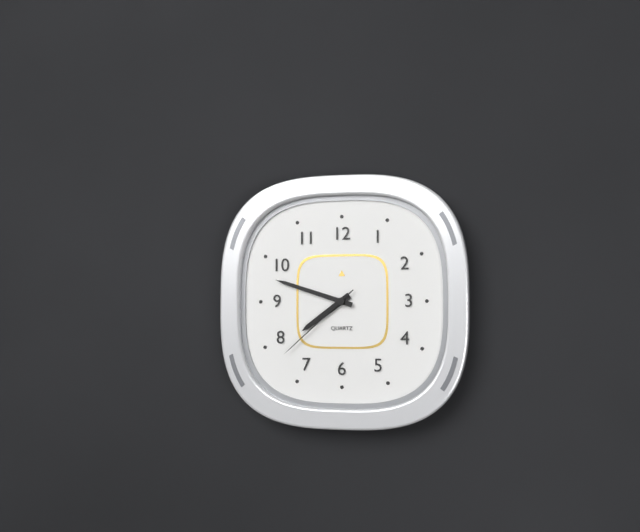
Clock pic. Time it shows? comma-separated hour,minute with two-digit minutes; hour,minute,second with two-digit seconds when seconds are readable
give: 7,48,38
